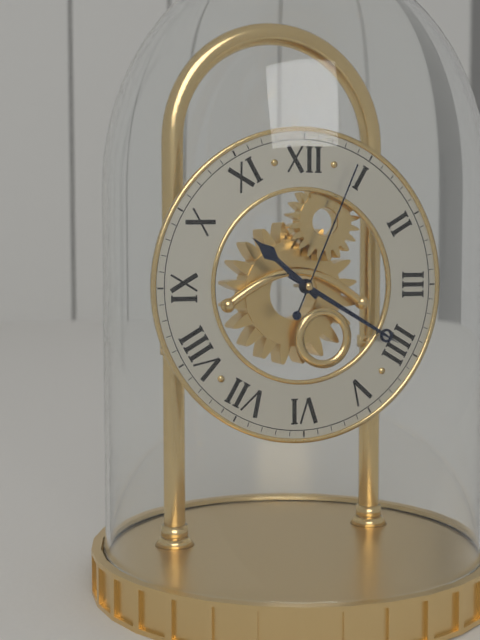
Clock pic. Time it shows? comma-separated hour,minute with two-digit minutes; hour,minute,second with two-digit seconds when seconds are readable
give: 10,20,04
